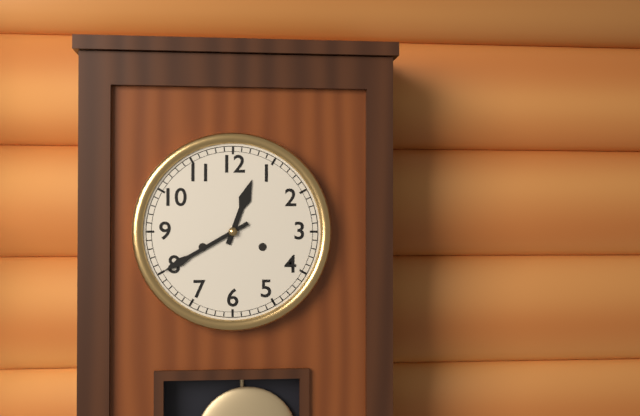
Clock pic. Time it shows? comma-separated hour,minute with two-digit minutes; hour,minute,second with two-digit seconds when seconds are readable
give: 12,40
